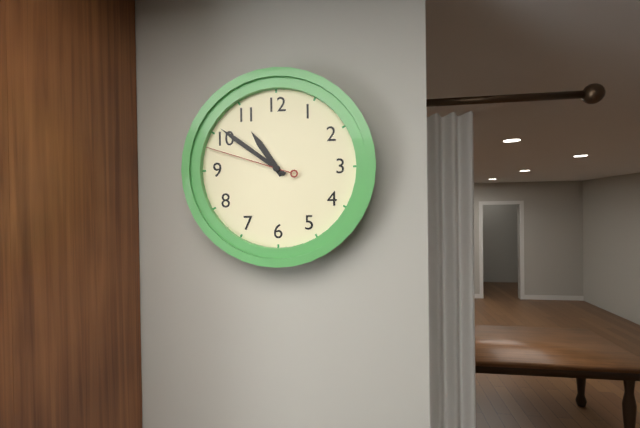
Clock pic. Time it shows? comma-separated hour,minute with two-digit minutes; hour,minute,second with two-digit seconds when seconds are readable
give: 10,51,48
